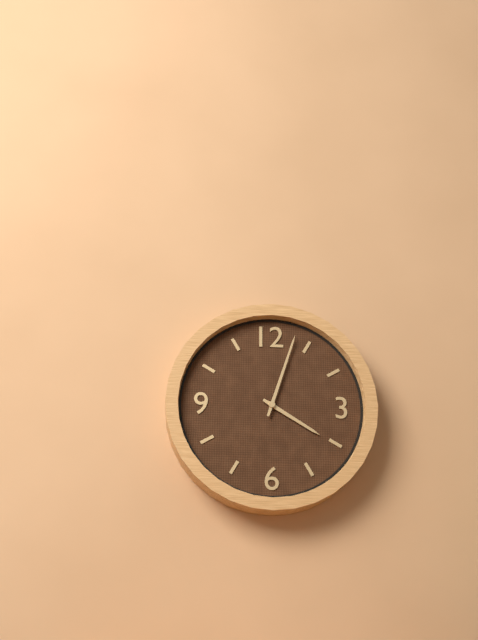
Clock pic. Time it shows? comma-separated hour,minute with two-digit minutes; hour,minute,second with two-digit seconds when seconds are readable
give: 4,03
